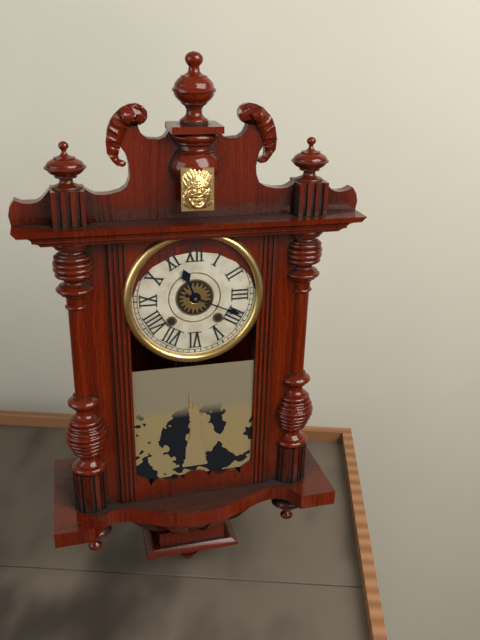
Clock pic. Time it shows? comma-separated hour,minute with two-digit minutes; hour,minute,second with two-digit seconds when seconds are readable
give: 11,19
